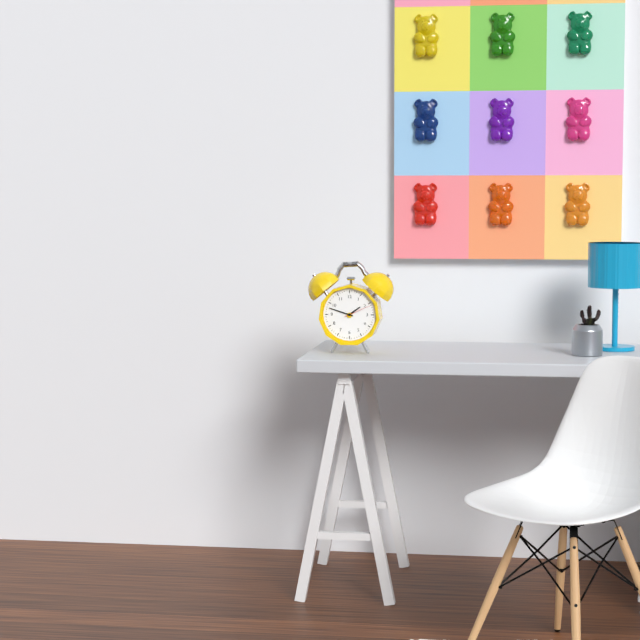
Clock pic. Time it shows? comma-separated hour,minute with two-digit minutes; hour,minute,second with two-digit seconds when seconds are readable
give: 1,48
